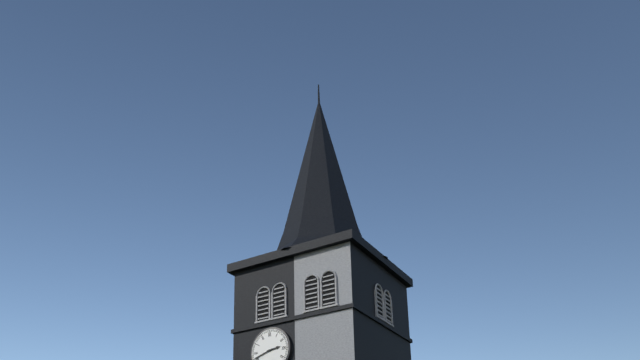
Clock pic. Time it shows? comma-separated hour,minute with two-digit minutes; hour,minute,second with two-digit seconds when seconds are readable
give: 2,42
